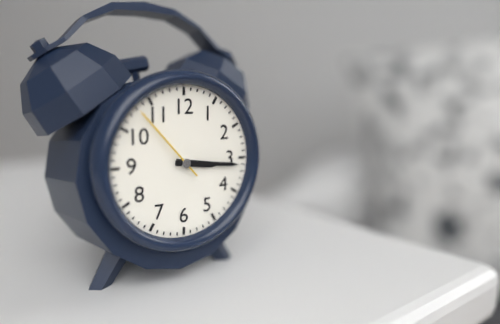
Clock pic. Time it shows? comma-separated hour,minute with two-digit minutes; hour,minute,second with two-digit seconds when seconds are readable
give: 3,16,53
